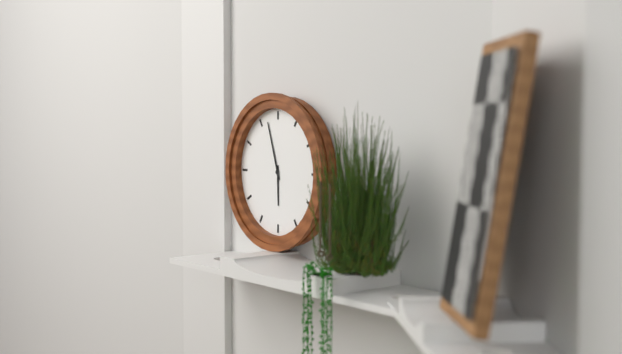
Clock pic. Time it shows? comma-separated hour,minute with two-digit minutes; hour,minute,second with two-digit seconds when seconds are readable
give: 5,57
